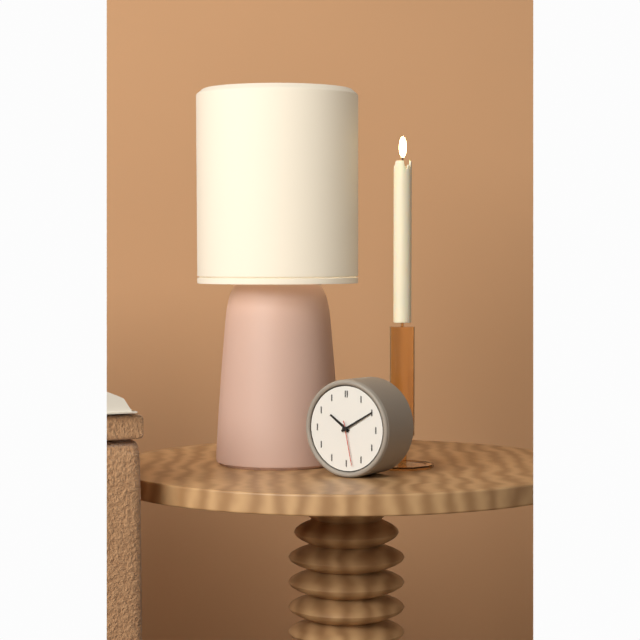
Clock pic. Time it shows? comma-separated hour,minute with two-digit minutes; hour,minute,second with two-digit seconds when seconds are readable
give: 10,10
